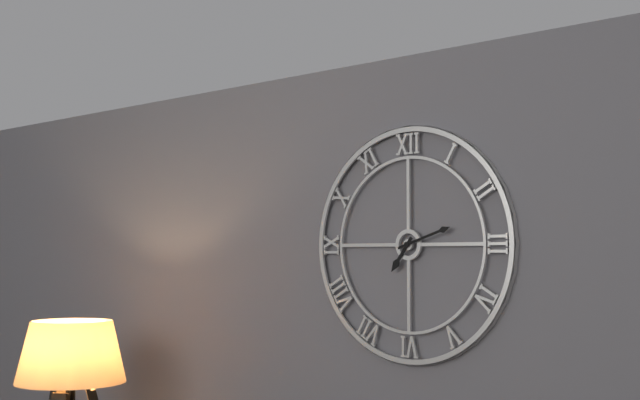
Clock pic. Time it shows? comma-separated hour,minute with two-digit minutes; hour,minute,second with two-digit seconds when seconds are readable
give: 7,12
